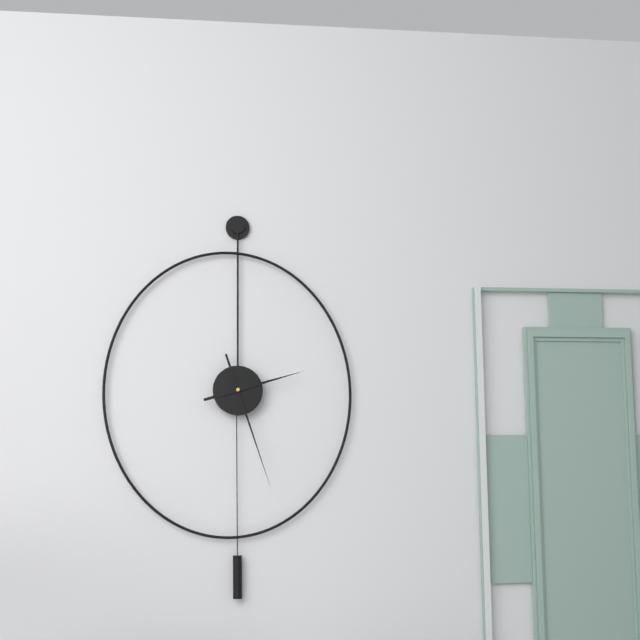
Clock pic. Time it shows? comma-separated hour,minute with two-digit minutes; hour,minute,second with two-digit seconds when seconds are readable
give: 2,27
